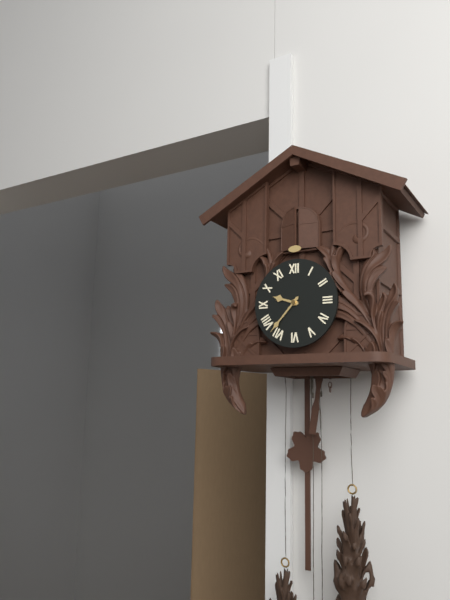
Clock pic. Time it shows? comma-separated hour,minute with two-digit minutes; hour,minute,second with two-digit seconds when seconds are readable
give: 9,37
